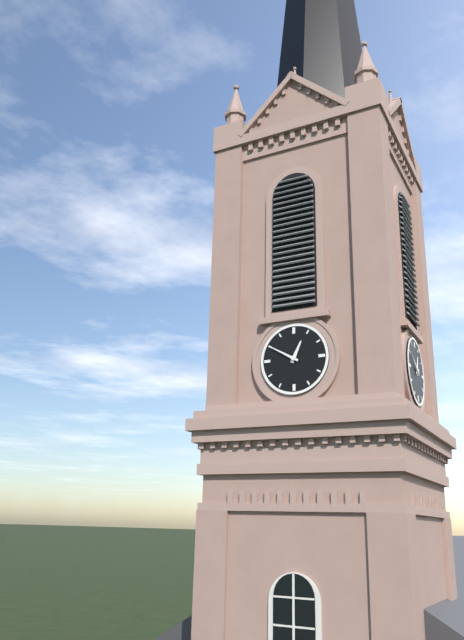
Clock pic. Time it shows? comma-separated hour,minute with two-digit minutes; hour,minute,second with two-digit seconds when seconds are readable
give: 12,50
